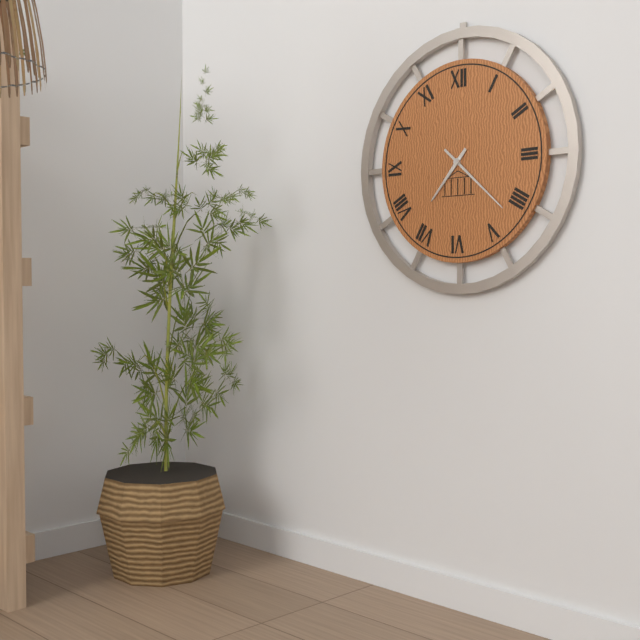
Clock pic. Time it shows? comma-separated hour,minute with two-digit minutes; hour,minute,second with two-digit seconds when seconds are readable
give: 7,22
